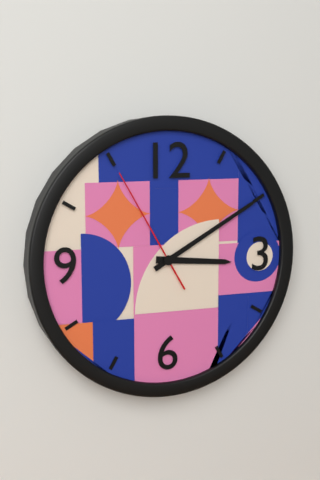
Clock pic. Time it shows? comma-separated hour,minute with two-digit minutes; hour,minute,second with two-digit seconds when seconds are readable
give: 3,10,55
